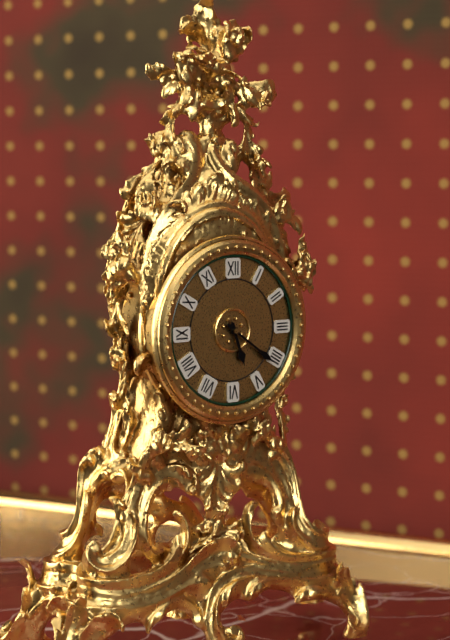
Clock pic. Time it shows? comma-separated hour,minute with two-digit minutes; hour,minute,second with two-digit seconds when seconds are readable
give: 5,21
